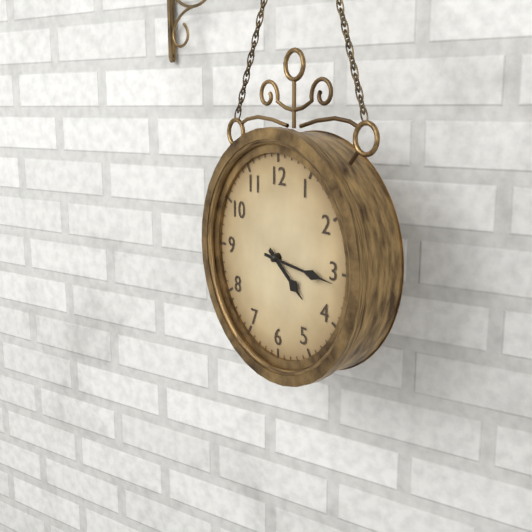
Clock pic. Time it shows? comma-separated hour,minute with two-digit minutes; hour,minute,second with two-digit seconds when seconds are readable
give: 4,16
